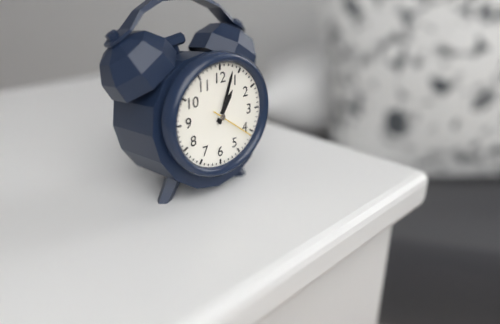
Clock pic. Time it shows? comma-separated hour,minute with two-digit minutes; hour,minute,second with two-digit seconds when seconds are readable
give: 1,03
